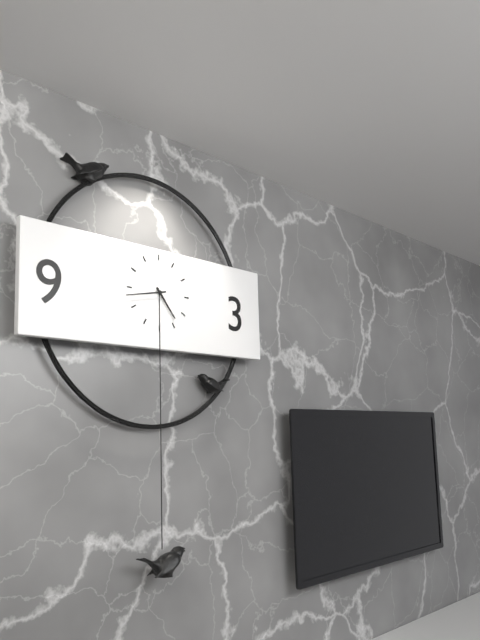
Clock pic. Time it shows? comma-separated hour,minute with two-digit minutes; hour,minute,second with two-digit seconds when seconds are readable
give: 4,43
